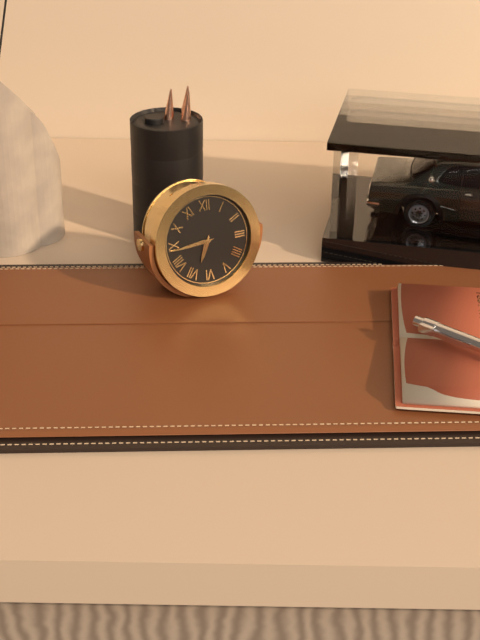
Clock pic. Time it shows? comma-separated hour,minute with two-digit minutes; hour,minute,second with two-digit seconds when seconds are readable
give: 6,44
